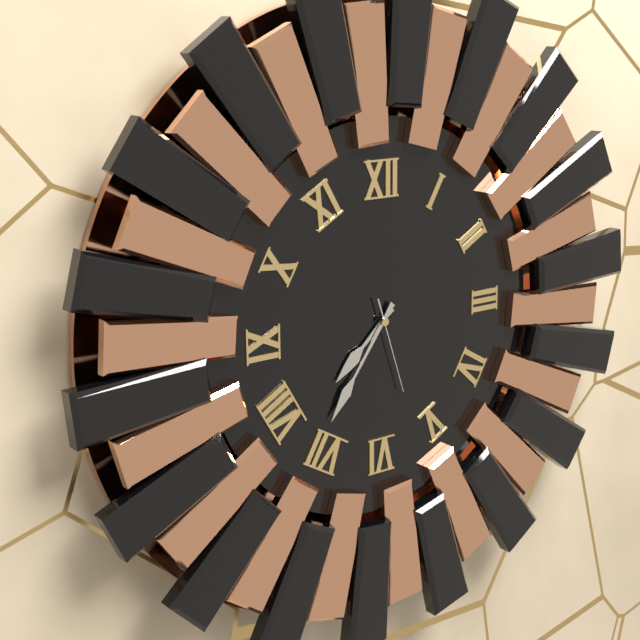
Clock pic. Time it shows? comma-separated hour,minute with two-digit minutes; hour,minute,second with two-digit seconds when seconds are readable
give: 7,36,27
